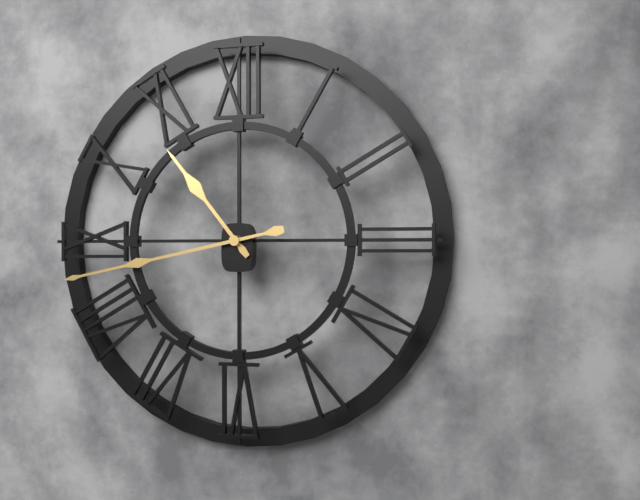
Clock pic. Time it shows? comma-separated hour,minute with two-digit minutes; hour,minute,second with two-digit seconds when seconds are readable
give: 10,43
